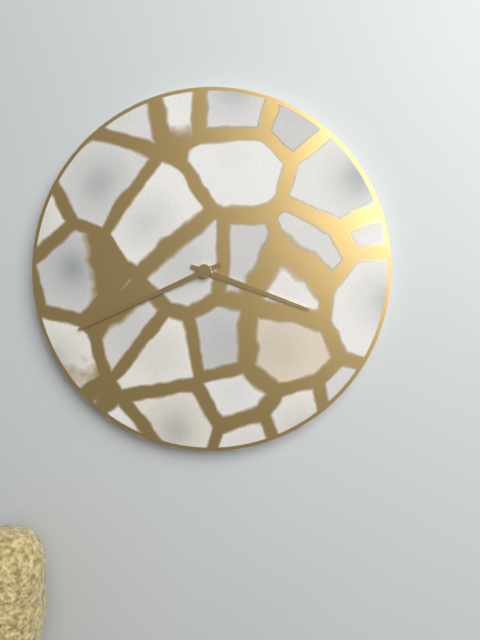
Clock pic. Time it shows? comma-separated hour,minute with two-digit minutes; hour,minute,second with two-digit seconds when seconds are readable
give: 3,41
